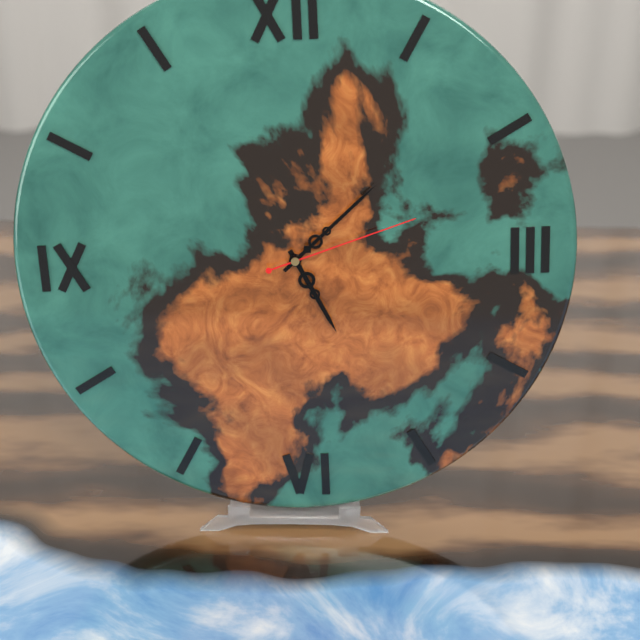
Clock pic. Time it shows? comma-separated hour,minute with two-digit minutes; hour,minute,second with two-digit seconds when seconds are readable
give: 5,08,12
